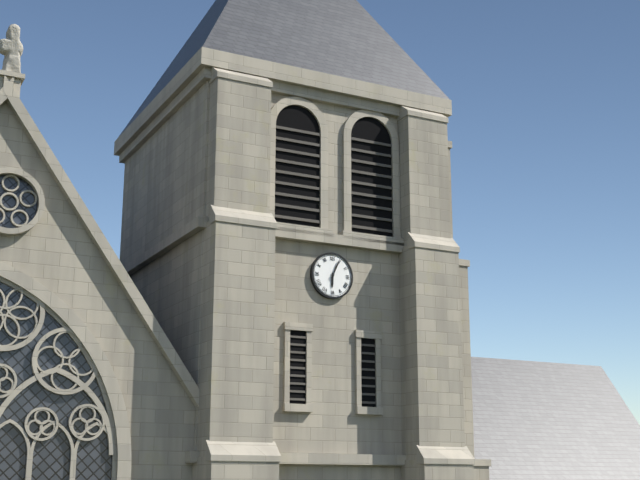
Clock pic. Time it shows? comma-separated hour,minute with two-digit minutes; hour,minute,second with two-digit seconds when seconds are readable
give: 6,04
